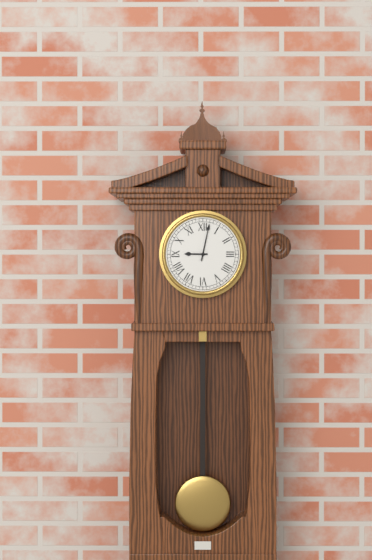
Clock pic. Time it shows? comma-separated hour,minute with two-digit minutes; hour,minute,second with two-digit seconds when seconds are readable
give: 9,02
